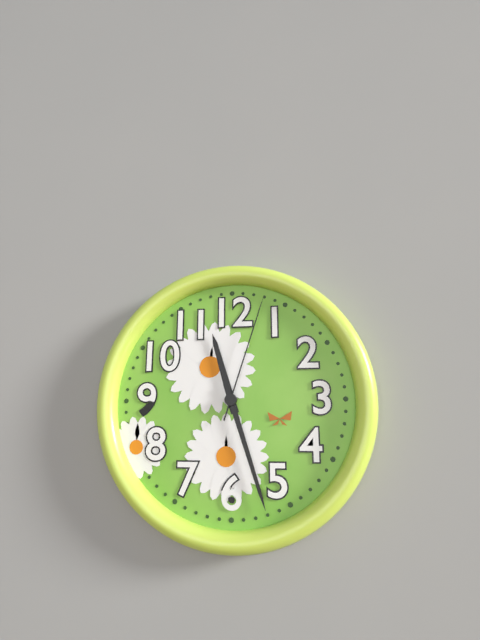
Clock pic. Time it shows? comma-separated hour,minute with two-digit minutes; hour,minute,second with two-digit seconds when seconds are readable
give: 11,27,03
